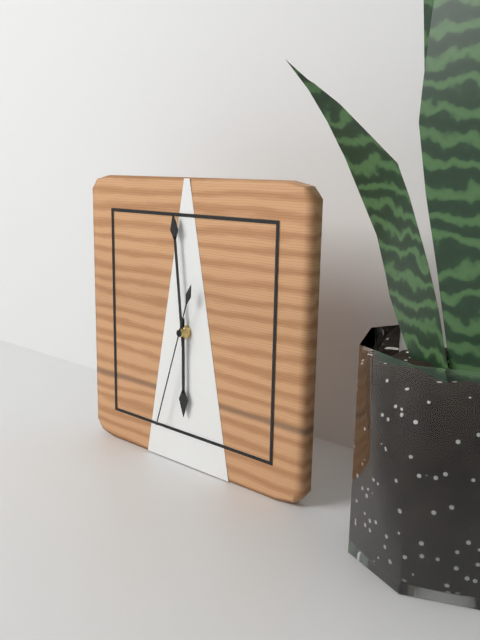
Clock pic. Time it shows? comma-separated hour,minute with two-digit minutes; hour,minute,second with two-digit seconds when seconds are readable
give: 5,59,33
